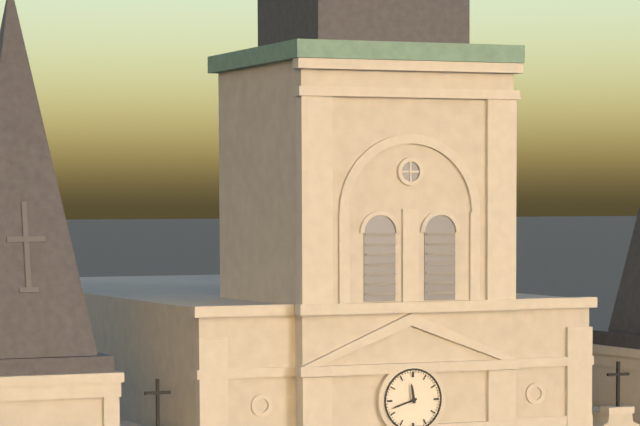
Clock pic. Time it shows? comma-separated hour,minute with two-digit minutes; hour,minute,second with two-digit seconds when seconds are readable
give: 11,42
